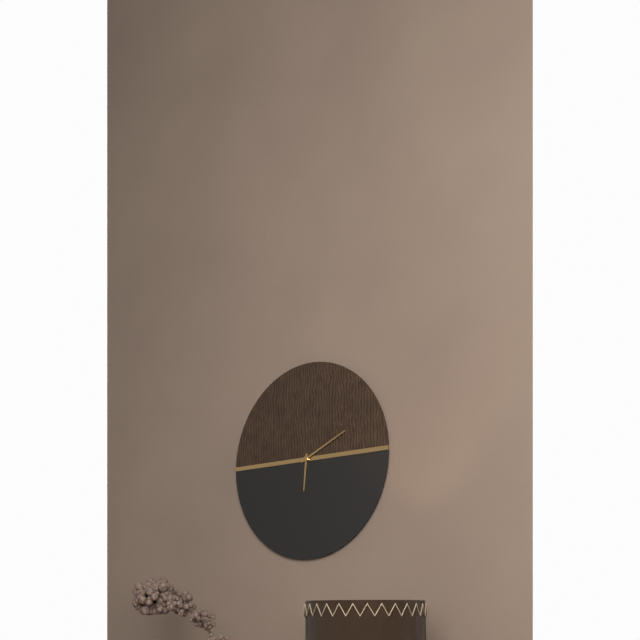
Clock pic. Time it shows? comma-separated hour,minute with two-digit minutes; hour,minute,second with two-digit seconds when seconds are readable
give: 6,11
